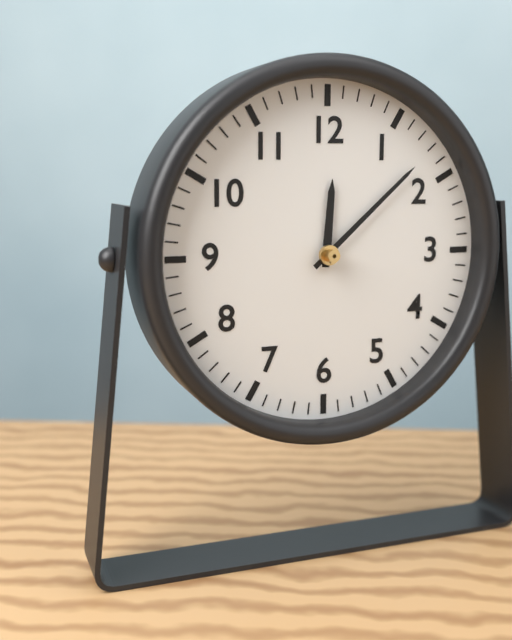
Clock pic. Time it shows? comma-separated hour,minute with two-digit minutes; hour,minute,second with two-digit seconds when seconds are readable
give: 12,08
